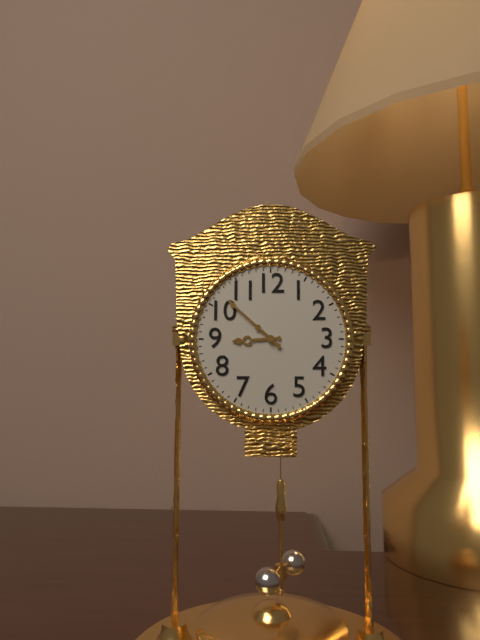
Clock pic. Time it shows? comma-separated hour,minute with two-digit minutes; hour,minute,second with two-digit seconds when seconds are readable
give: 8,52
